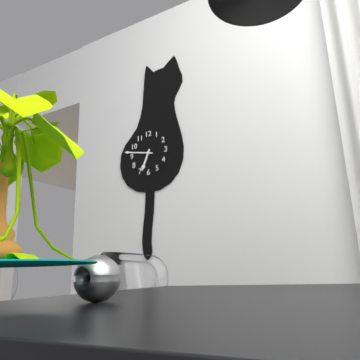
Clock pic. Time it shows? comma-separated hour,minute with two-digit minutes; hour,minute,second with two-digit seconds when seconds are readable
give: 6,47
